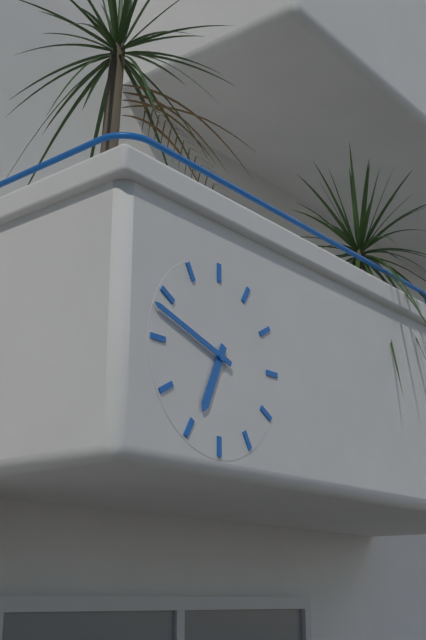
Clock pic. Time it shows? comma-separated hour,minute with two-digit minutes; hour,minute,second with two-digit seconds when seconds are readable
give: 6,48
